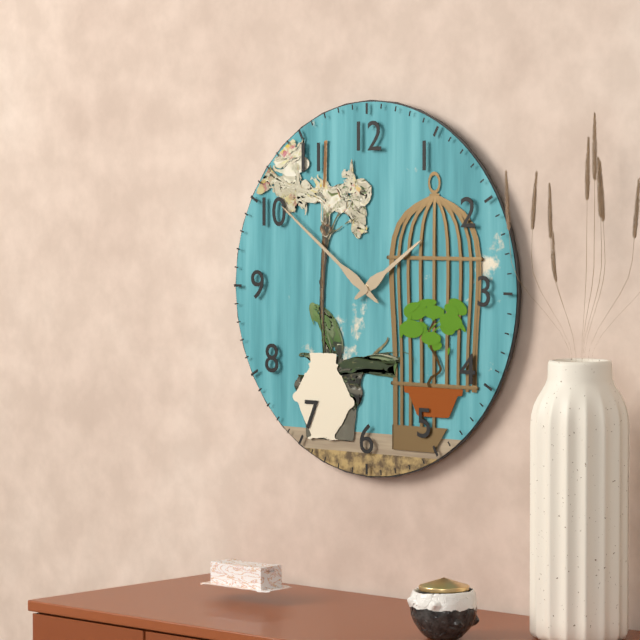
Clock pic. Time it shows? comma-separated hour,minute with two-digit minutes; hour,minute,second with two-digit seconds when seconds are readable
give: 1,51
